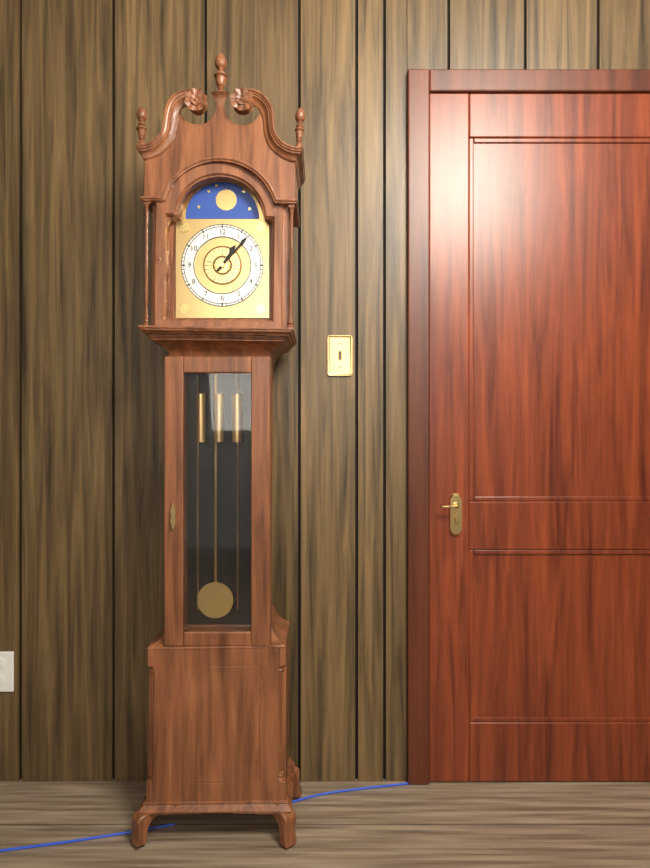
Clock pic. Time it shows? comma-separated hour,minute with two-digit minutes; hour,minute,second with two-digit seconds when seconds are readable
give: 1,07
